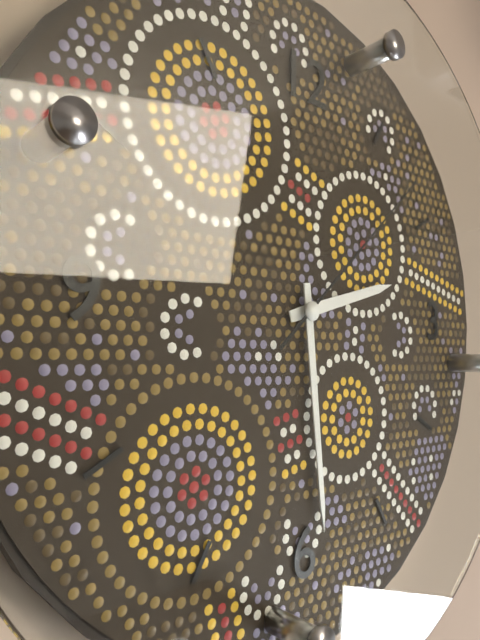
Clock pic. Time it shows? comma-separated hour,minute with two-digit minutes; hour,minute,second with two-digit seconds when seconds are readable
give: 2,29,08
